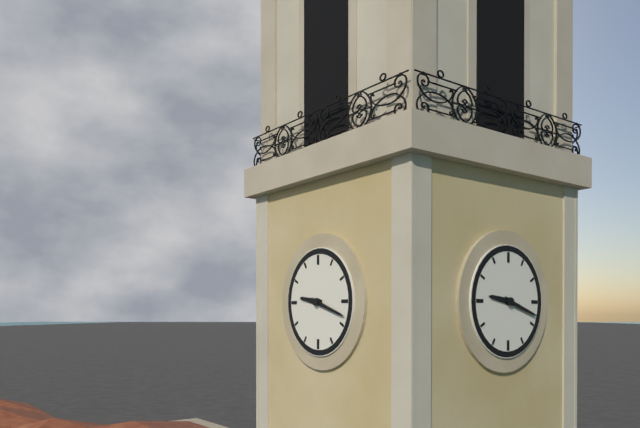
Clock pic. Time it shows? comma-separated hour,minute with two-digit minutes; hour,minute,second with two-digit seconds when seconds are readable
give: 9,18
